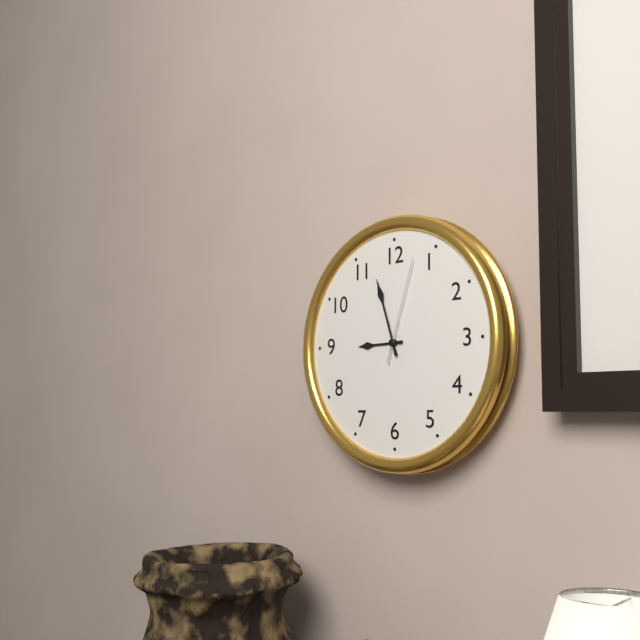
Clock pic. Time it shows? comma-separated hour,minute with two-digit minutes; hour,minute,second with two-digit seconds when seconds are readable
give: 8,57,03
